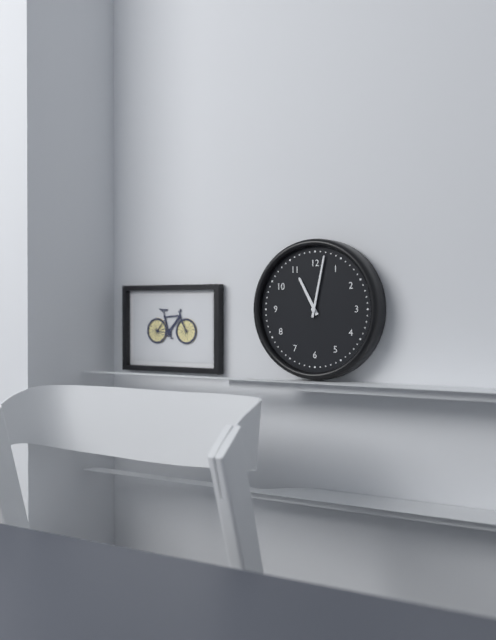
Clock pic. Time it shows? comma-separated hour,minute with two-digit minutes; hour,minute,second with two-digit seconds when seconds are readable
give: 11,02
